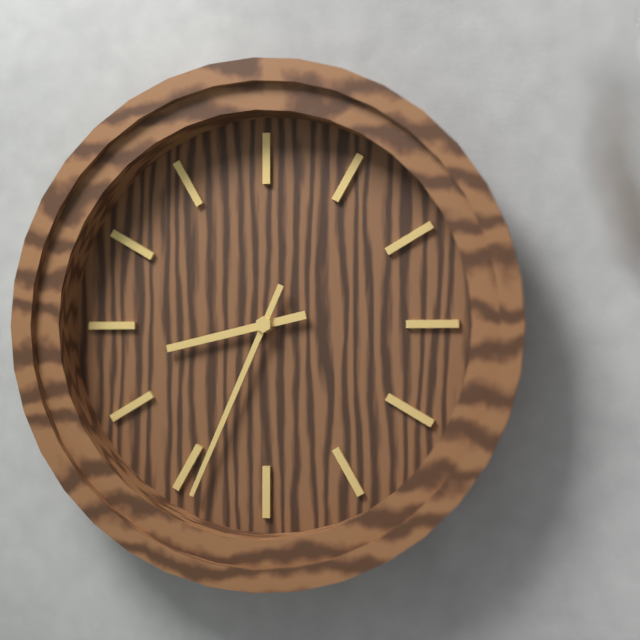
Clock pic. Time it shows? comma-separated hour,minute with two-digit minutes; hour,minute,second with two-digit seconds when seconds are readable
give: 8,34
